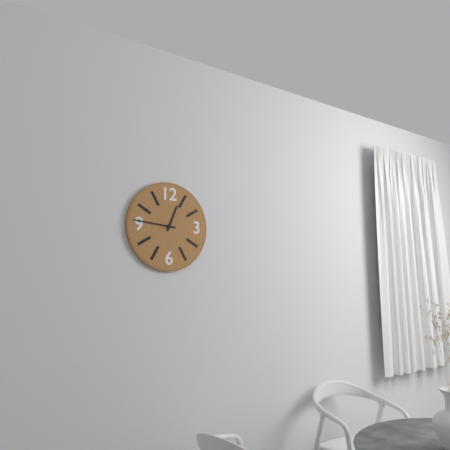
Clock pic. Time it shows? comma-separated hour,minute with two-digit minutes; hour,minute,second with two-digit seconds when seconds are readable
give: 12,46
